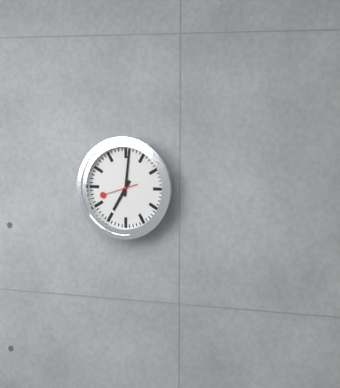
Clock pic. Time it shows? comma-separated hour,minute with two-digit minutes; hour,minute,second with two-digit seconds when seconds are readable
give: 7,01
